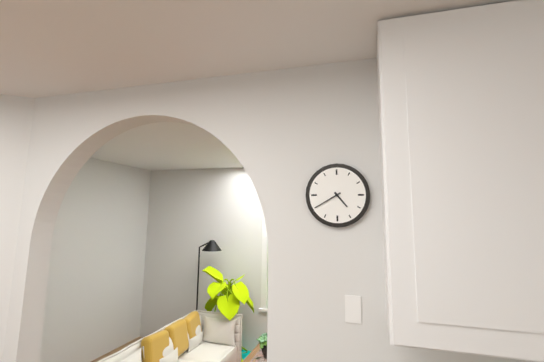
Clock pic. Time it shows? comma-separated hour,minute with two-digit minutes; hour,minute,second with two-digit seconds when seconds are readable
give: 4,40
